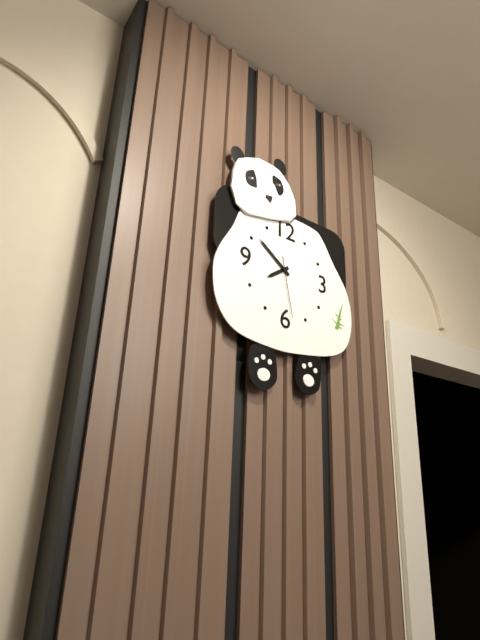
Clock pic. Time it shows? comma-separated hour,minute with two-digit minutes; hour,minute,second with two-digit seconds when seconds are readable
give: 7,51,28
